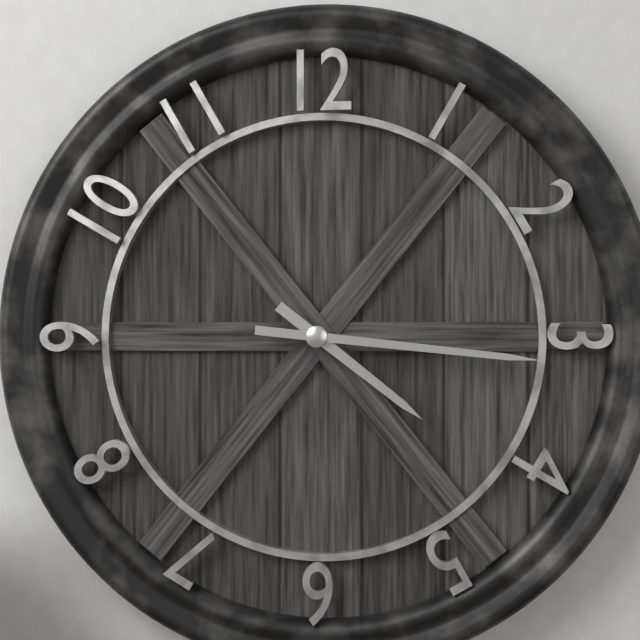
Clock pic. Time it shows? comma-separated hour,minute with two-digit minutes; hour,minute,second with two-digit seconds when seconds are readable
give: 4,16
